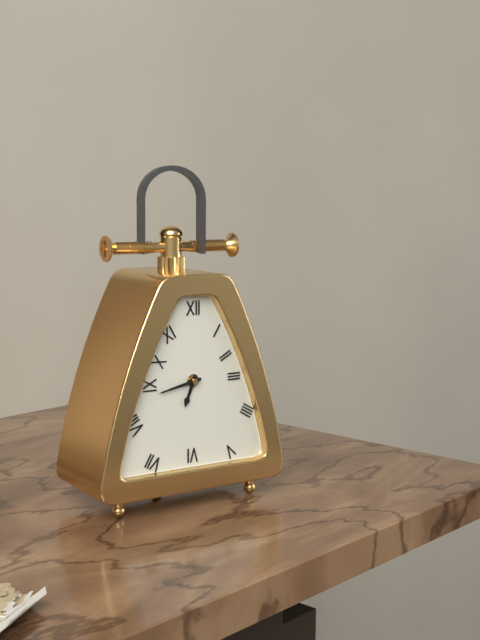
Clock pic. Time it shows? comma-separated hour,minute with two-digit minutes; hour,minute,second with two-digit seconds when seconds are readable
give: 6,43
